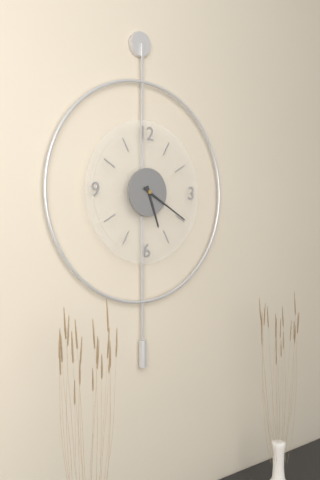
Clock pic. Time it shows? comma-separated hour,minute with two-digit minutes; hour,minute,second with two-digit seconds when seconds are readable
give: 5,20
